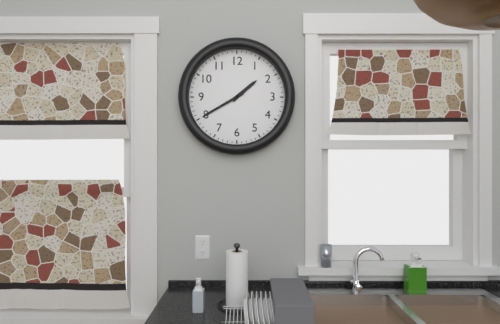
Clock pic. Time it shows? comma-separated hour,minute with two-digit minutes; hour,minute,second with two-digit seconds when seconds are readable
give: 1,40
